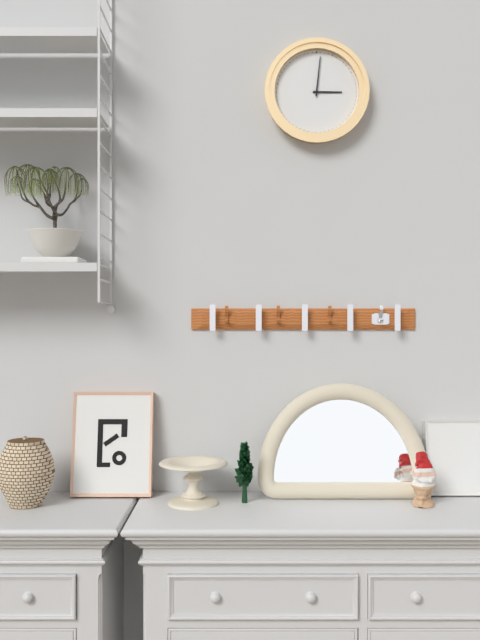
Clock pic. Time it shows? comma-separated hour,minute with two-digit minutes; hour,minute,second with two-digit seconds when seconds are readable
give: 3,01
